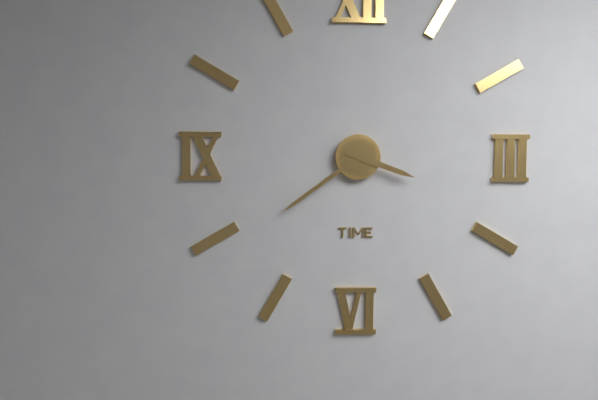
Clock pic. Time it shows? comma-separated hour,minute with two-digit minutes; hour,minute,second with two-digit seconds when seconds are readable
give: 3,39
